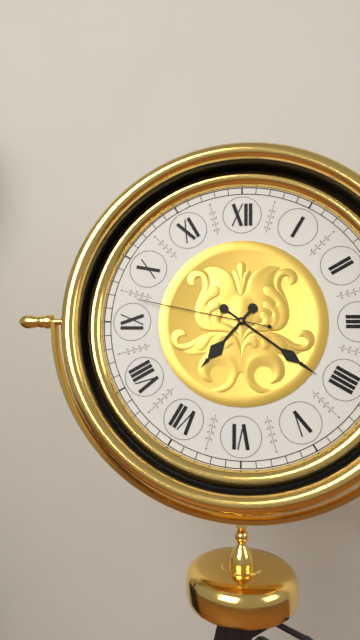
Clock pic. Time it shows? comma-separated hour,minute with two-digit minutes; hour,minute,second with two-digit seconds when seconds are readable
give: 7,21,47
